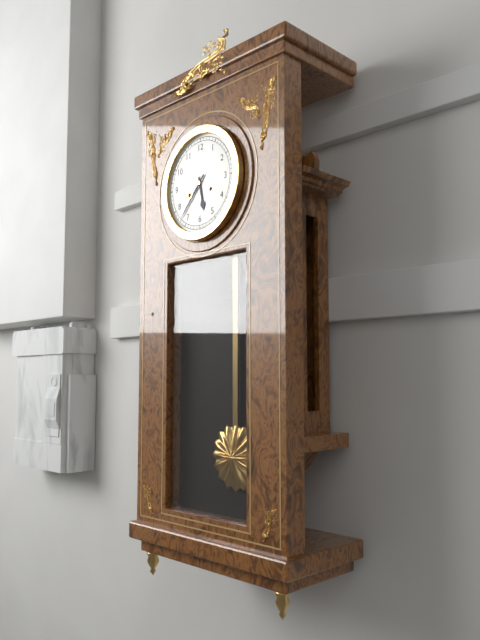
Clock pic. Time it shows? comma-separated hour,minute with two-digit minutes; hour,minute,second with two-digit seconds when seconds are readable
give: 5,37
